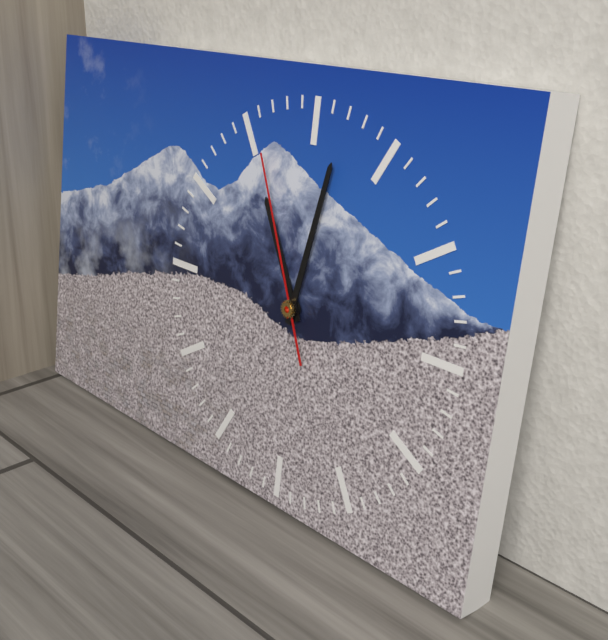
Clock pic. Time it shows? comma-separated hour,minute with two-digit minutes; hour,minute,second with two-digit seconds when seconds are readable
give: 11,02,56
